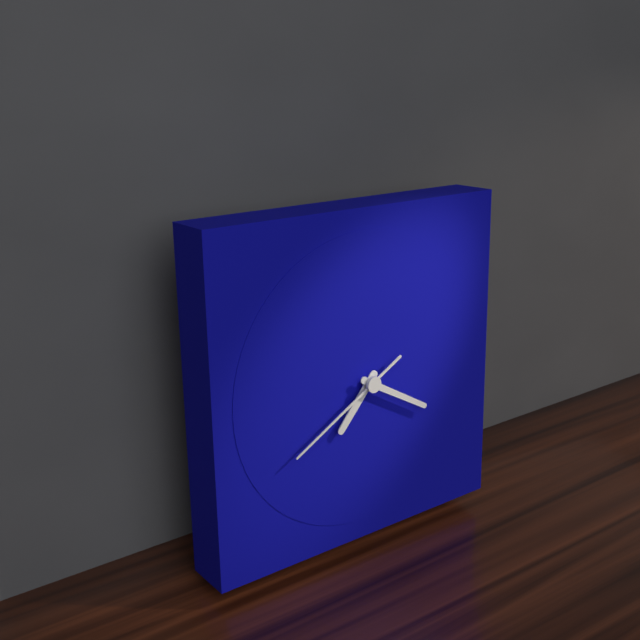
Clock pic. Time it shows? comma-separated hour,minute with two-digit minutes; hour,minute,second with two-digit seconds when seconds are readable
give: 7,20,40
